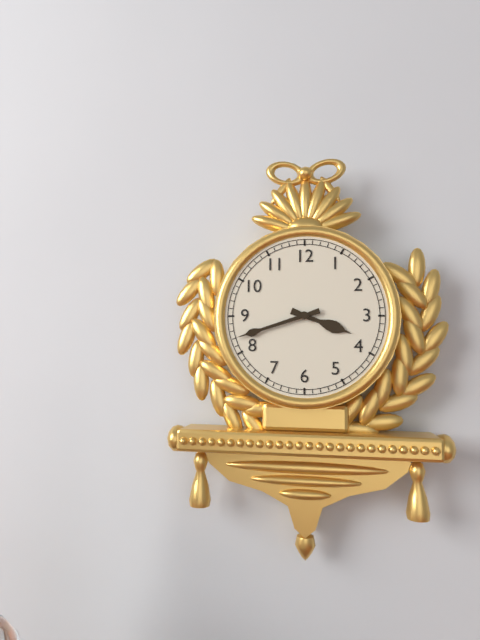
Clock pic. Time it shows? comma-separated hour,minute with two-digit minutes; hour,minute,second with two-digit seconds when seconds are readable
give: 3,42
